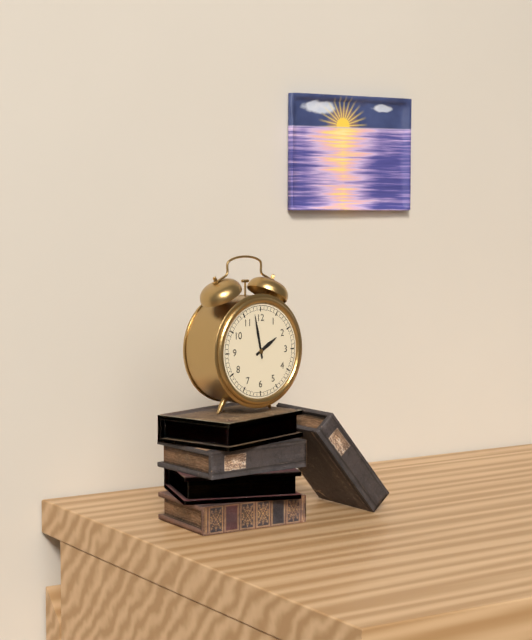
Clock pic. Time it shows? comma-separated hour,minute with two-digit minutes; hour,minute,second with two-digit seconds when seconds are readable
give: 1,58
